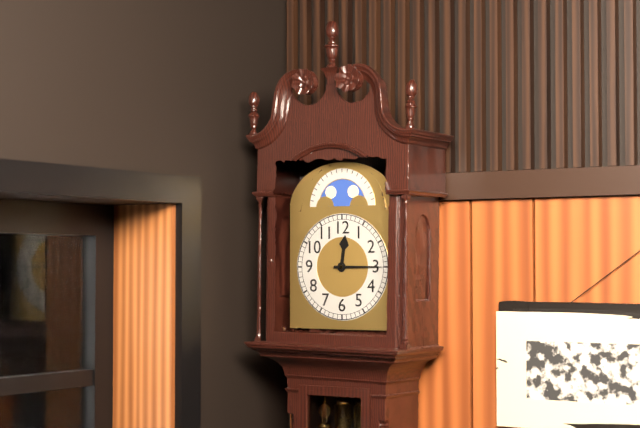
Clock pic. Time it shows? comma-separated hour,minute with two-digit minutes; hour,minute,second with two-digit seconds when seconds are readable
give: 12,15
